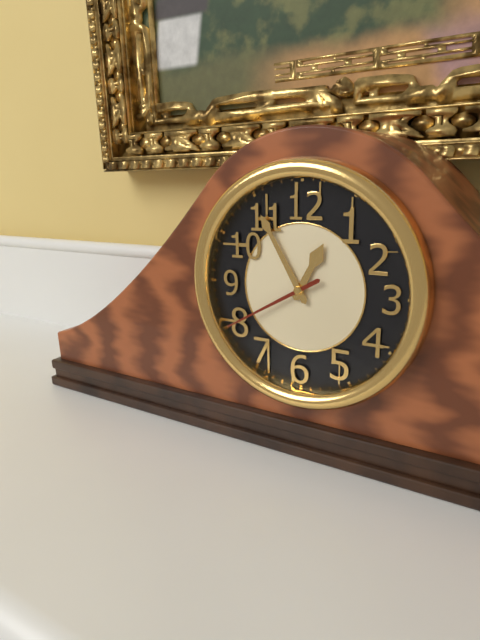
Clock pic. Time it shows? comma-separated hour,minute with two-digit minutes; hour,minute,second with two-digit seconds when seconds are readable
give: 12,55,40
